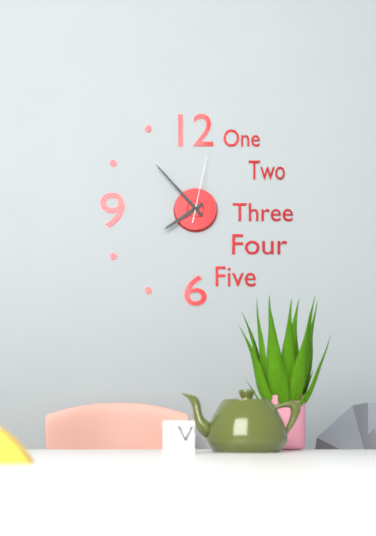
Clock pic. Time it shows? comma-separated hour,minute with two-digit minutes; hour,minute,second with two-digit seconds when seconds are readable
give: 7,53,02
